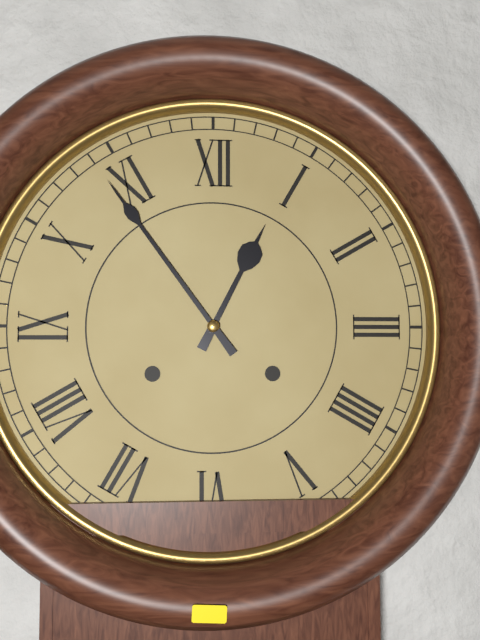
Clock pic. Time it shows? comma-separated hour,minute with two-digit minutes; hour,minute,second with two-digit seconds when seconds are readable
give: 12,54
